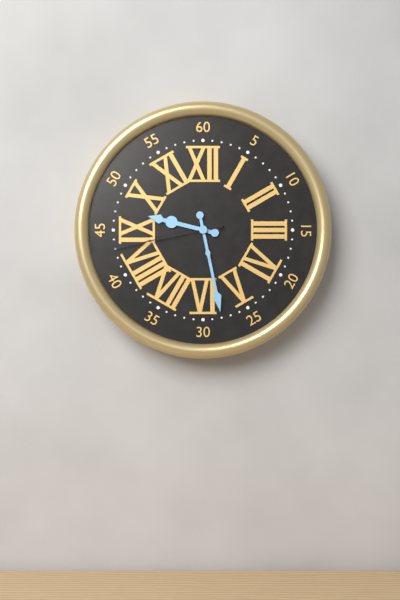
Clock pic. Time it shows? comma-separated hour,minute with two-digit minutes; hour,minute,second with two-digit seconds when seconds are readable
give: 9,28,43
